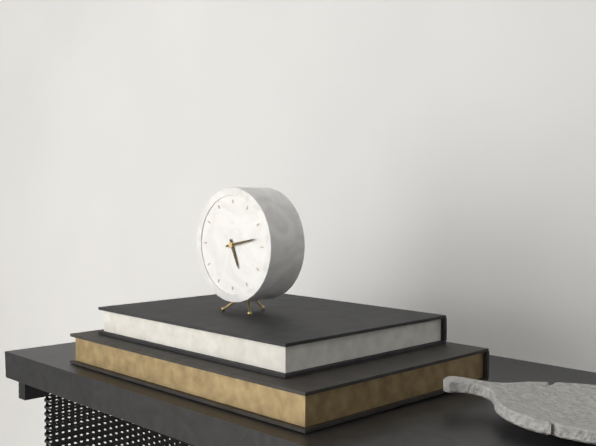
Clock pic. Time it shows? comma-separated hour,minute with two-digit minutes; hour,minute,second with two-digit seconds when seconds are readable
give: 5,13
